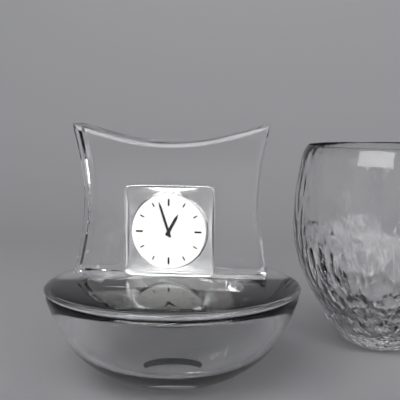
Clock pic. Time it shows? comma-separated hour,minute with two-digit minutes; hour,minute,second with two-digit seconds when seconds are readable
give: 12,57
